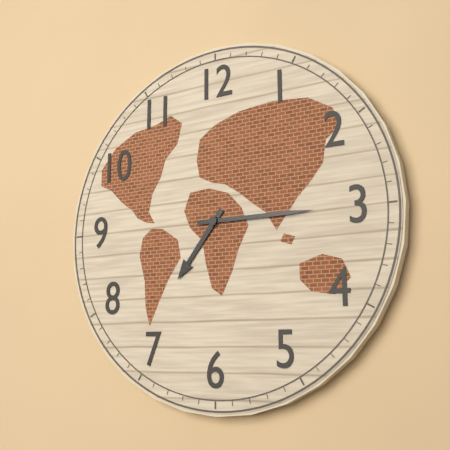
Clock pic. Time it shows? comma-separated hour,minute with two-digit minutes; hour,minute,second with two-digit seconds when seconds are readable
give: 7,15
